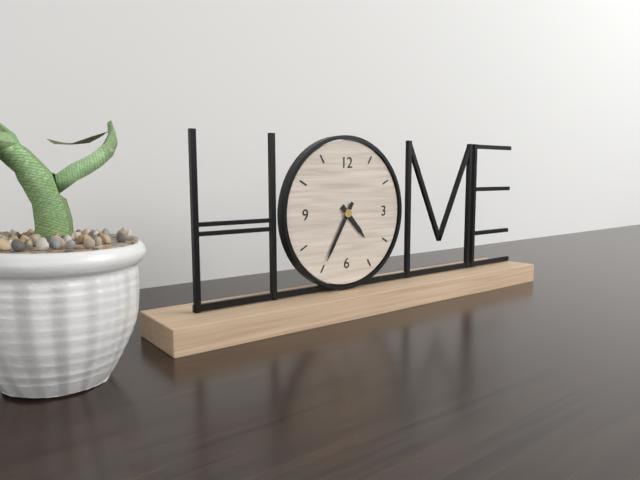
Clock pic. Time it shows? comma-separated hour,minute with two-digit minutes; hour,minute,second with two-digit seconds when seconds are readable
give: 4,35
